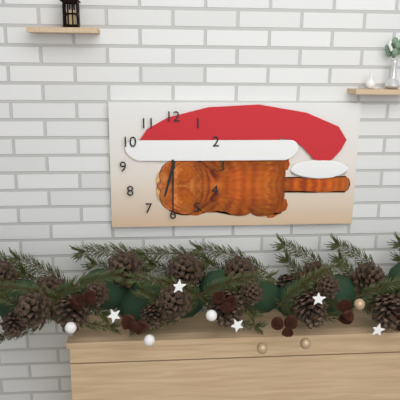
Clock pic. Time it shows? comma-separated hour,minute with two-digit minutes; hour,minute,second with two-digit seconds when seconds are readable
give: 6,30
